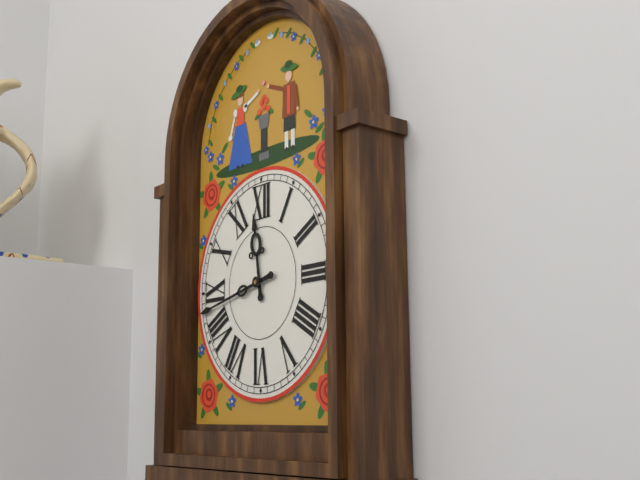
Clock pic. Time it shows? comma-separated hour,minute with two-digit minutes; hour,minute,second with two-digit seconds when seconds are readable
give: 11,43
